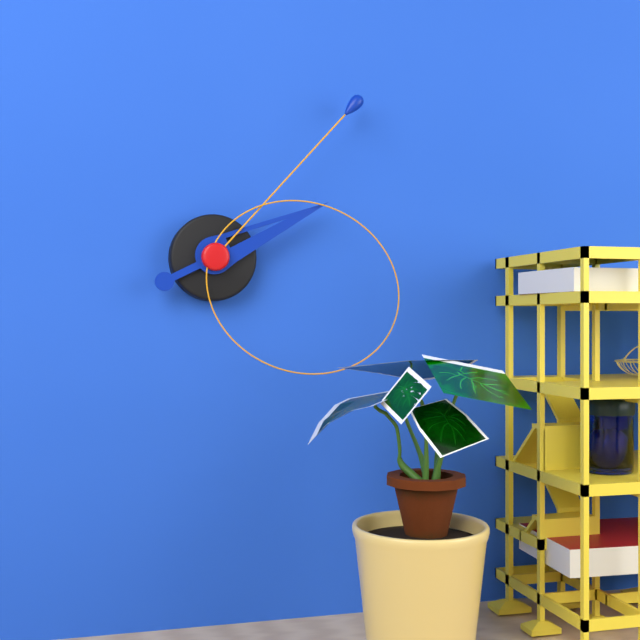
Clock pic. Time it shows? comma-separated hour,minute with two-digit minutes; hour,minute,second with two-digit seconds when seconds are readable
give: 2,07,18
